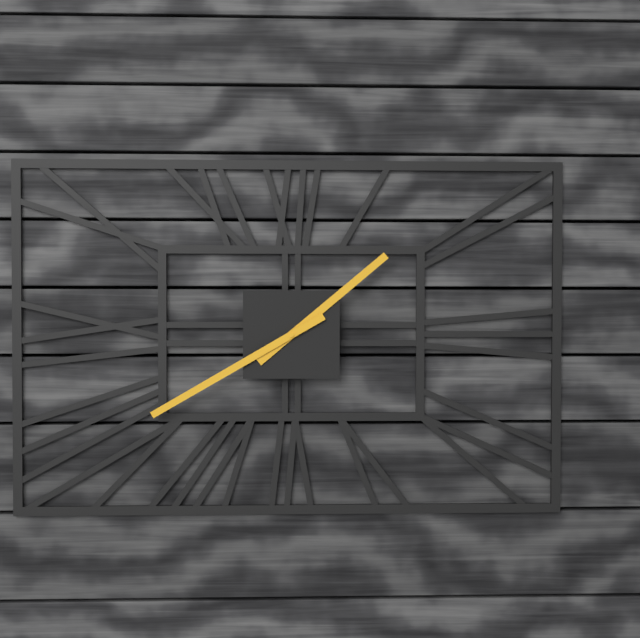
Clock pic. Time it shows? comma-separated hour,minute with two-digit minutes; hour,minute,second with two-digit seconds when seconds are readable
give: 1,40
